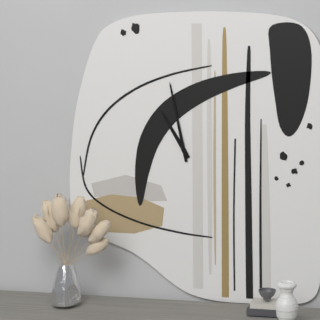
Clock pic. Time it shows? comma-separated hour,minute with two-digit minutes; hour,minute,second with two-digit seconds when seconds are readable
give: 10,58
